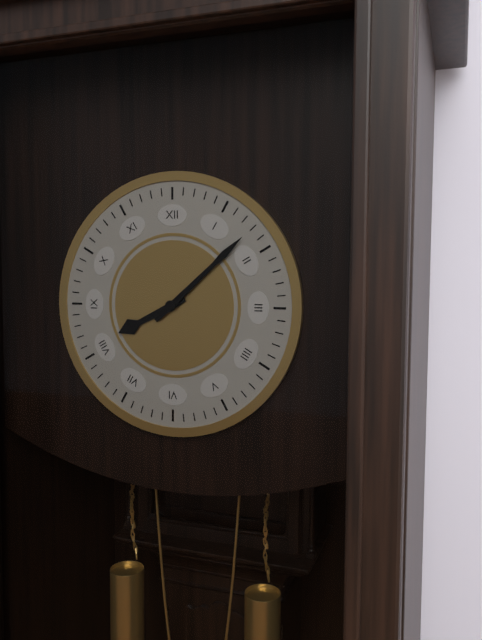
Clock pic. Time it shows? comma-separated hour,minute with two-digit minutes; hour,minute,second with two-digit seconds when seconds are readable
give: 8,08
